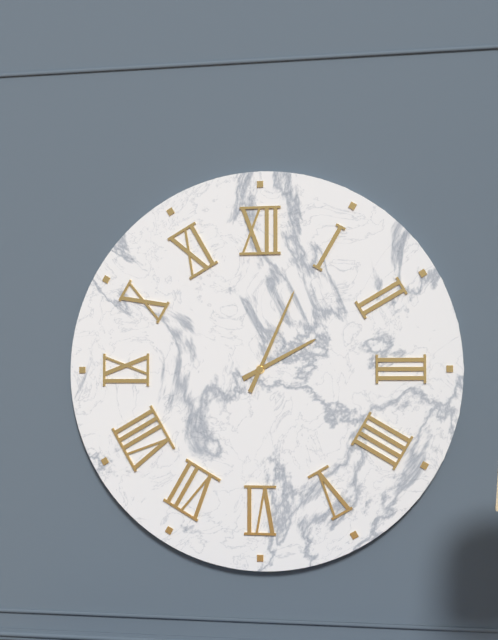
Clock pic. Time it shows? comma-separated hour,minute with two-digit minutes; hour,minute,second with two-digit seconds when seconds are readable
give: 2,04
